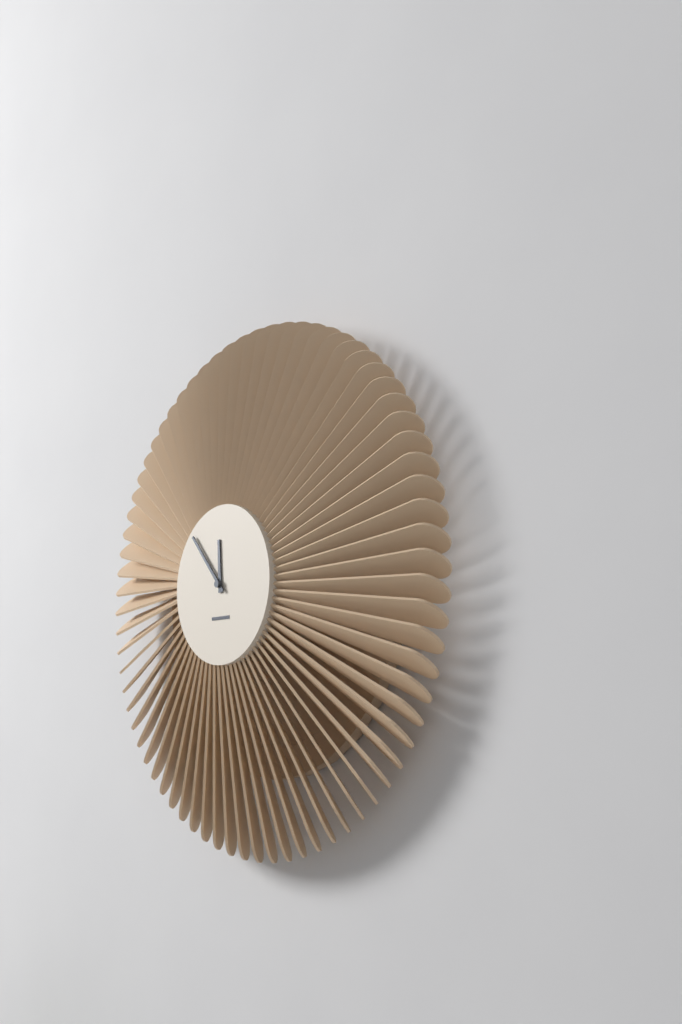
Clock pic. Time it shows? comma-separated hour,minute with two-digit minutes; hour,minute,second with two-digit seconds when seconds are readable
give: 11,53
